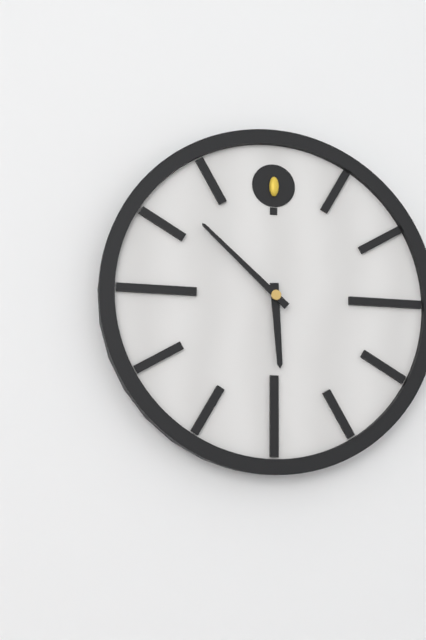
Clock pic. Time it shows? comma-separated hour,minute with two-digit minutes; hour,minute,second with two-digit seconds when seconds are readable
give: 5,52
